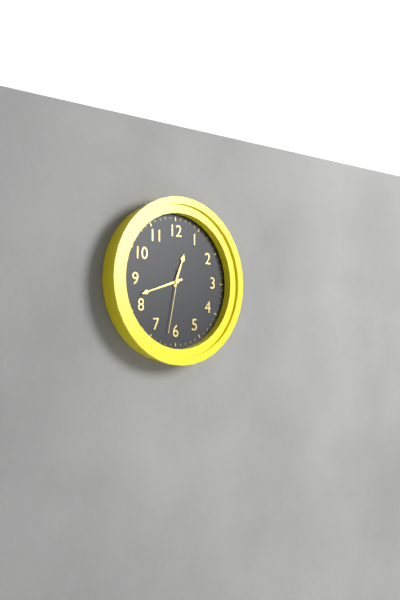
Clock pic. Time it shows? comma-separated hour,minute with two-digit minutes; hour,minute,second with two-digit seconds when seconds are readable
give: 12,42,32
